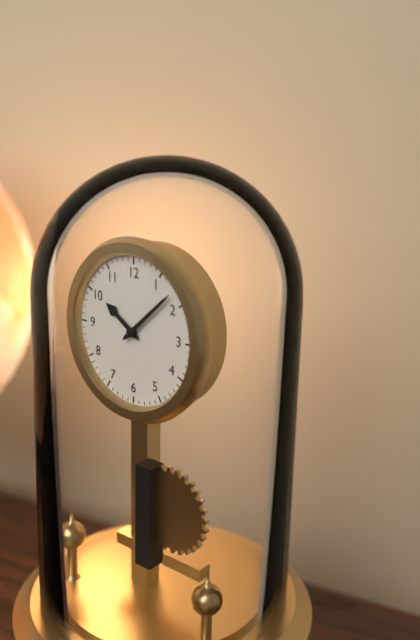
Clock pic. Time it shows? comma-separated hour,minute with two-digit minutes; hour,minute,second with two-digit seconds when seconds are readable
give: 10,08
